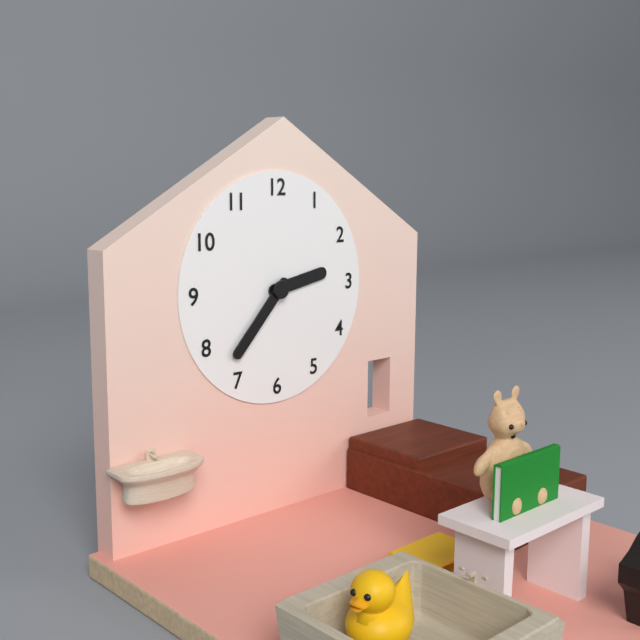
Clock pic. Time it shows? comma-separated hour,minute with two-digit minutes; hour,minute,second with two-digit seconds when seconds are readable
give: 2,37
